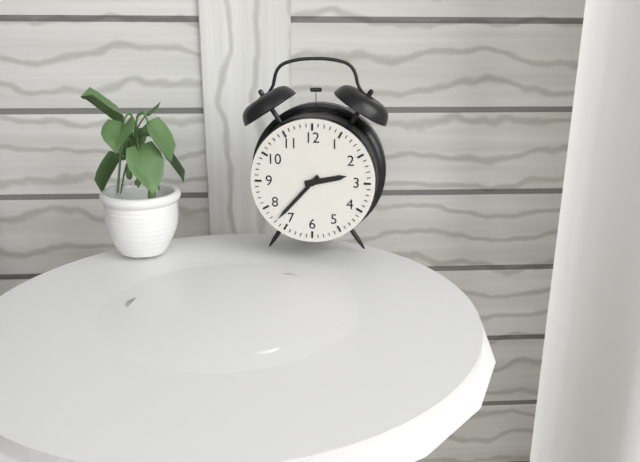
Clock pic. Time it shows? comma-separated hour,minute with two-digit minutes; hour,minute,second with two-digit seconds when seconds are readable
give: 2,37
